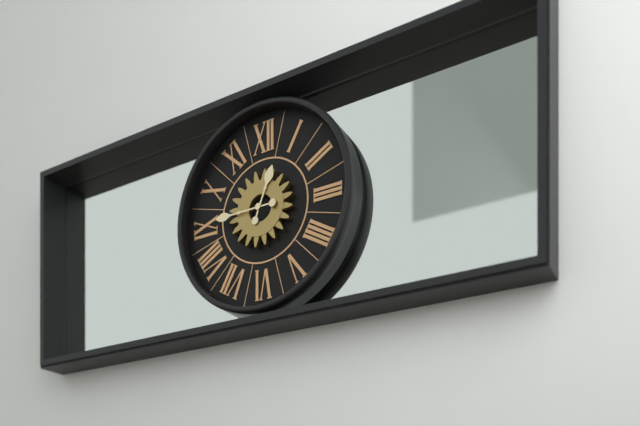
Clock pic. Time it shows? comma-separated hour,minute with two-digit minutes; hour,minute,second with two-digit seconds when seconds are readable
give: 12,45
